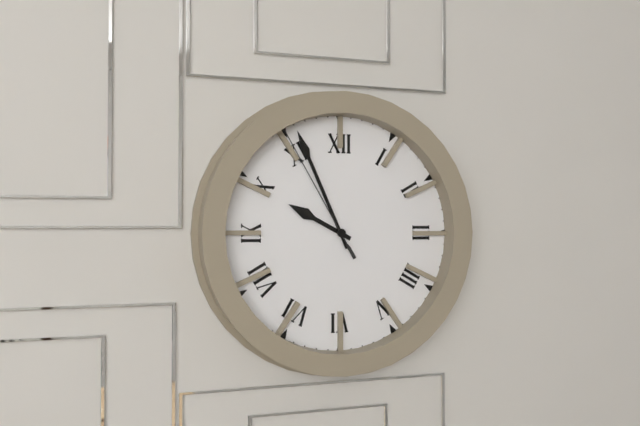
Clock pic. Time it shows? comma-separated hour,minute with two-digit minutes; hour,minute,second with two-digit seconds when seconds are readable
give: 9,56,55
